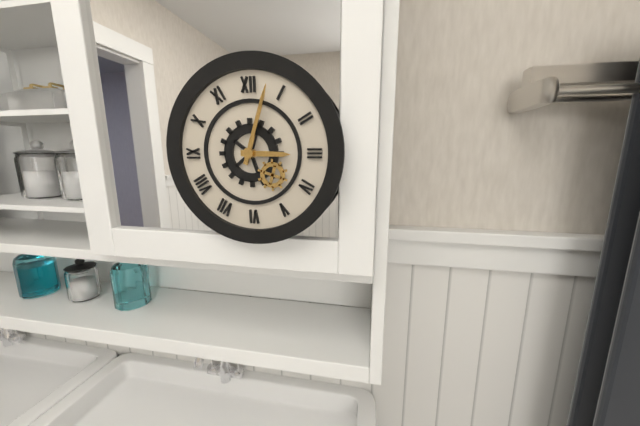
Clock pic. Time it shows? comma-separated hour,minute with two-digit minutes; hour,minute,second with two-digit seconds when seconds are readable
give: 3,03
